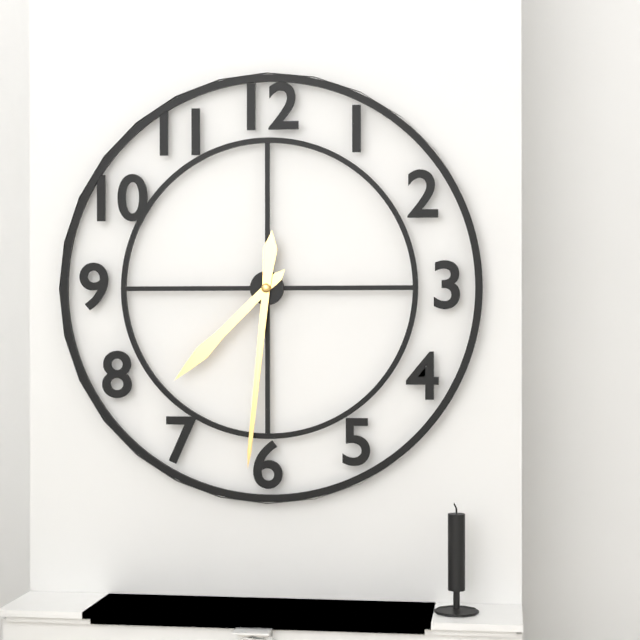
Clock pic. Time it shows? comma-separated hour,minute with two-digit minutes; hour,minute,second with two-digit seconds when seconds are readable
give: 7,31
